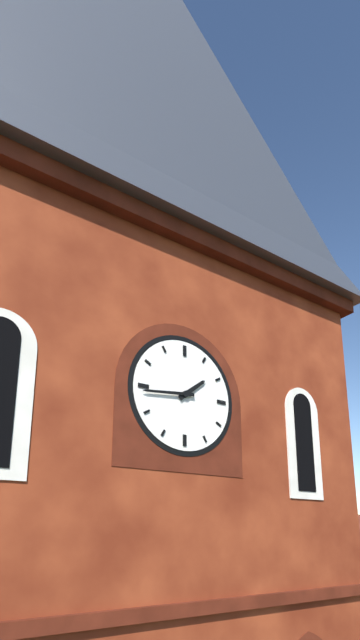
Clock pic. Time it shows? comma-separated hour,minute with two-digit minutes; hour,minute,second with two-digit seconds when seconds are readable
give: 1,44
